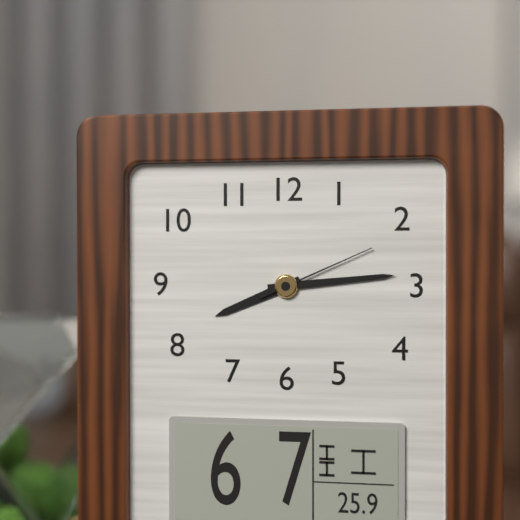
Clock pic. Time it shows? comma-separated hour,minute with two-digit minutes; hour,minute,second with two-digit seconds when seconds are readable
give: 8,14,11
